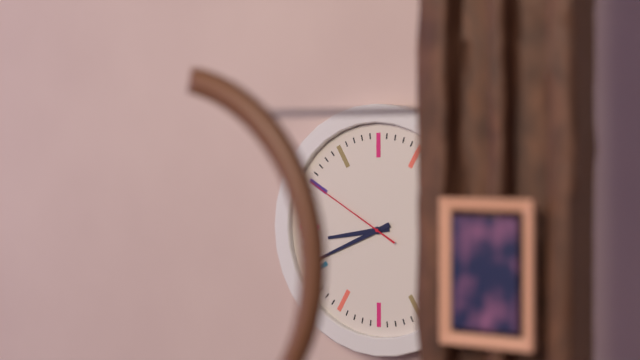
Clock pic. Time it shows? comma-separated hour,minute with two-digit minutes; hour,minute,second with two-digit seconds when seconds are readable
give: 8,41,50
